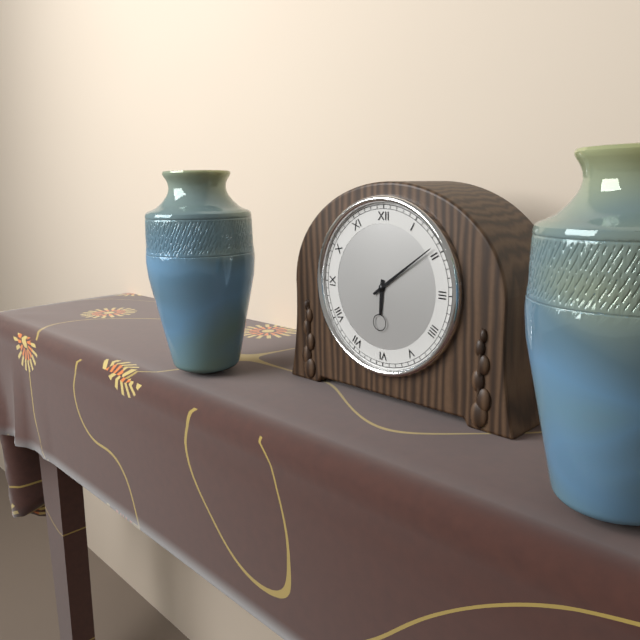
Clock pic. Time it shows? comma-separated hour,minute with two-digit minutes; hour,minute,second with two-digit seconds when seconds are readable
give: 6,09
